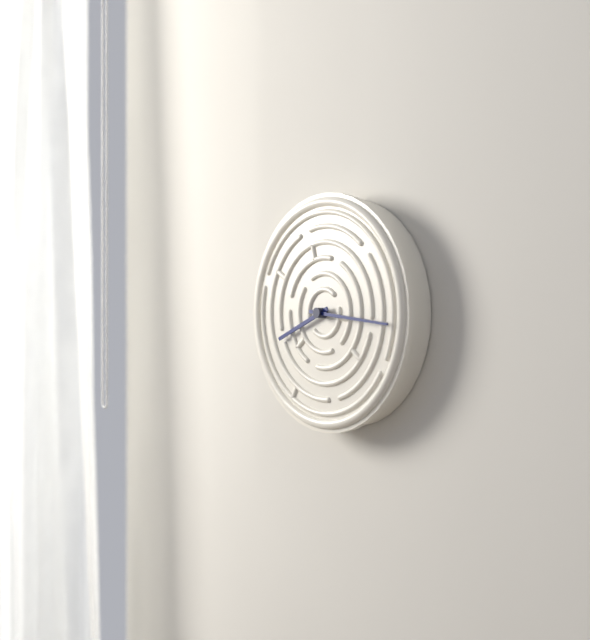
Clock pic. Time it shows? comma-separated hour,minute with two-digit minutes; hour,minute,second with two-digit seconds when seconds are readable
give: 8,16
